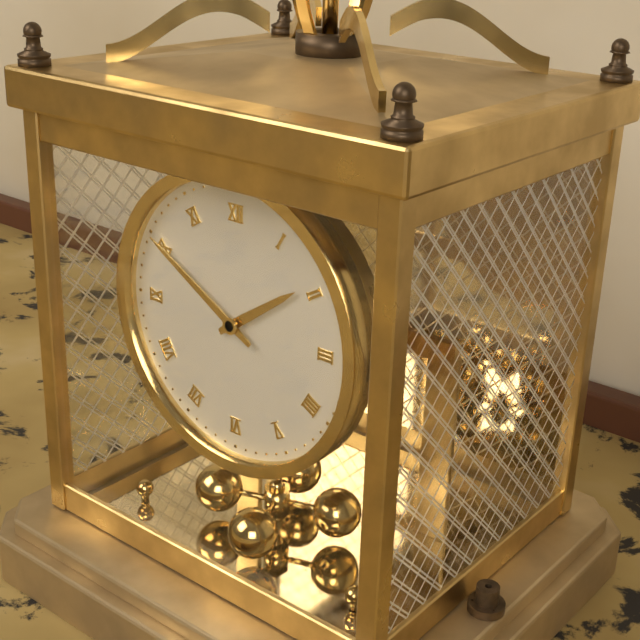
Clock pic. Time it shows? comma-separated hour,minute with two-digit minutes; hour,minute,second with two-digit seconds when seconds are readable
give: 1,50
